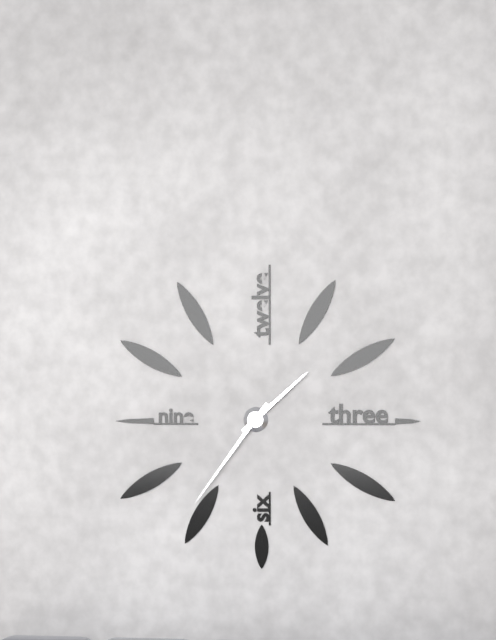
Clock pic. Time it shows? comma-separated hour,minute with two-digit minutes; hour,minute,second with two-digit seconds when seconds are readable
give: 1,36
